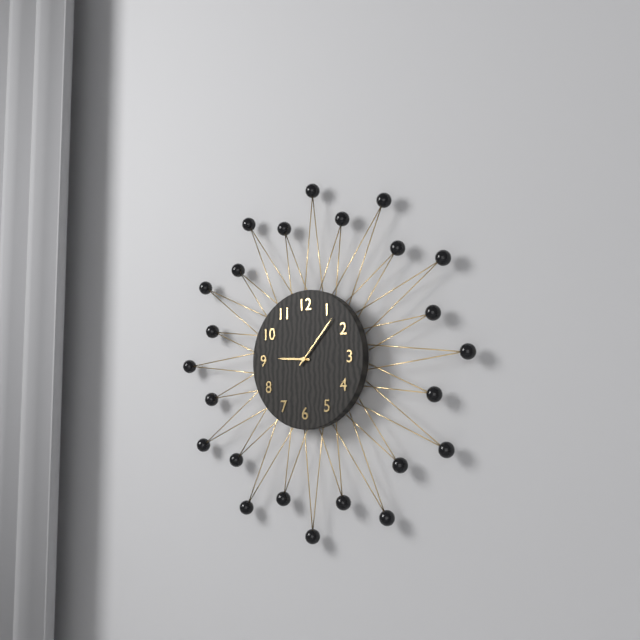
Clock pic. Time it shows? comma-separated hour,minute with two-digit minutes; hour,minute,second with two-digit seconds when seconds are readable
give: 9,07
